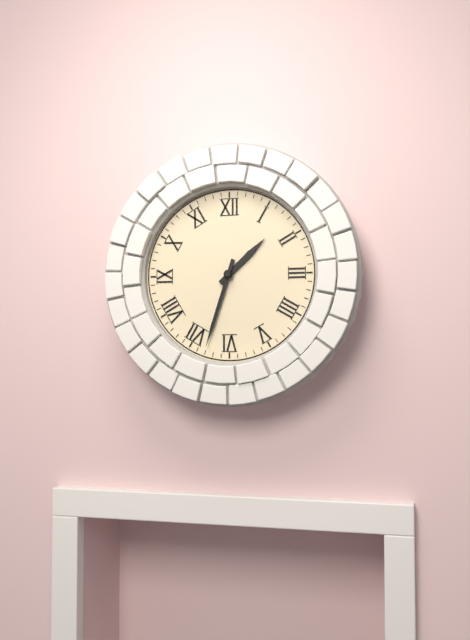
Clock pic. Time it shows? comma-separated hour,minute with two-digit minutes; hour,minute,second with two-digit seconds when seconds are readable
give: 1,33
